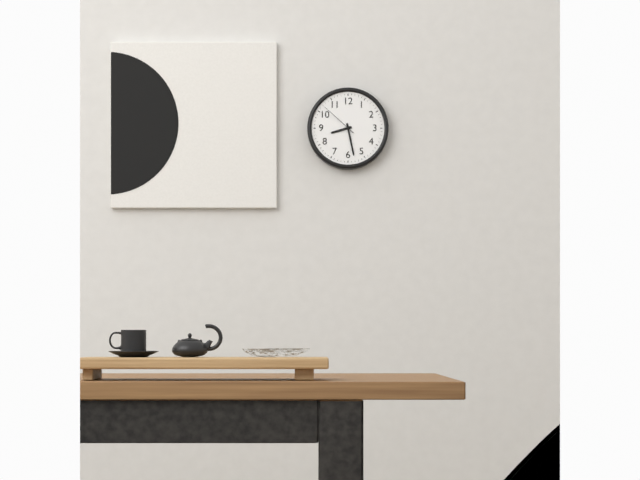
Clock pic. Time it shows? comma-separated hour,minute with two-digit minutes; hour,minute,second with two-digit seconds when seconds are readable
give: 8,28
